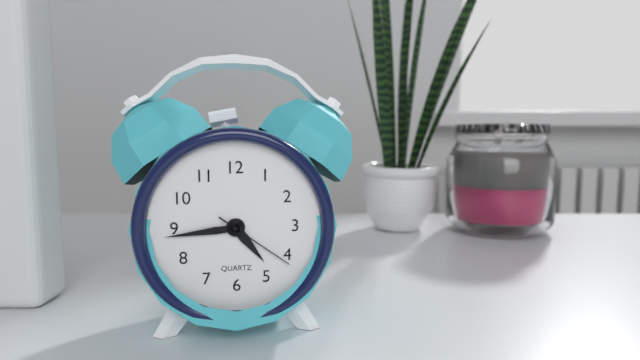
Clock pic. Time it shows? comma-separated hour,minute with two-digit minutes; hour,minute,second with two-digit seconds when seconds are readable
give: 4,44,21
